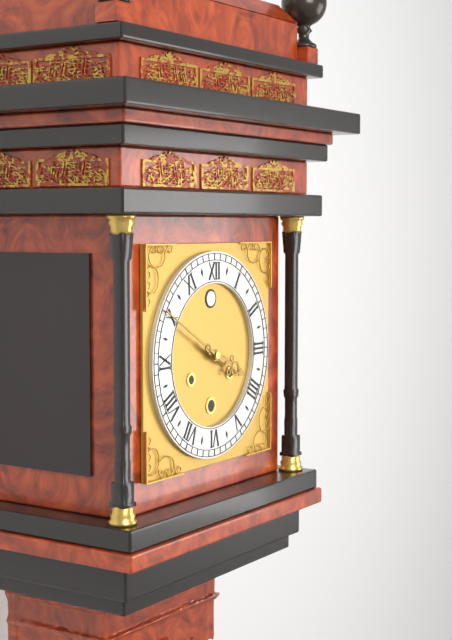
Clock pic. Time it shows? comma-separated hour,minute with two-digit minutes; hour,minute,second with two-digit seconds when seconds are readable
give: 3,50
